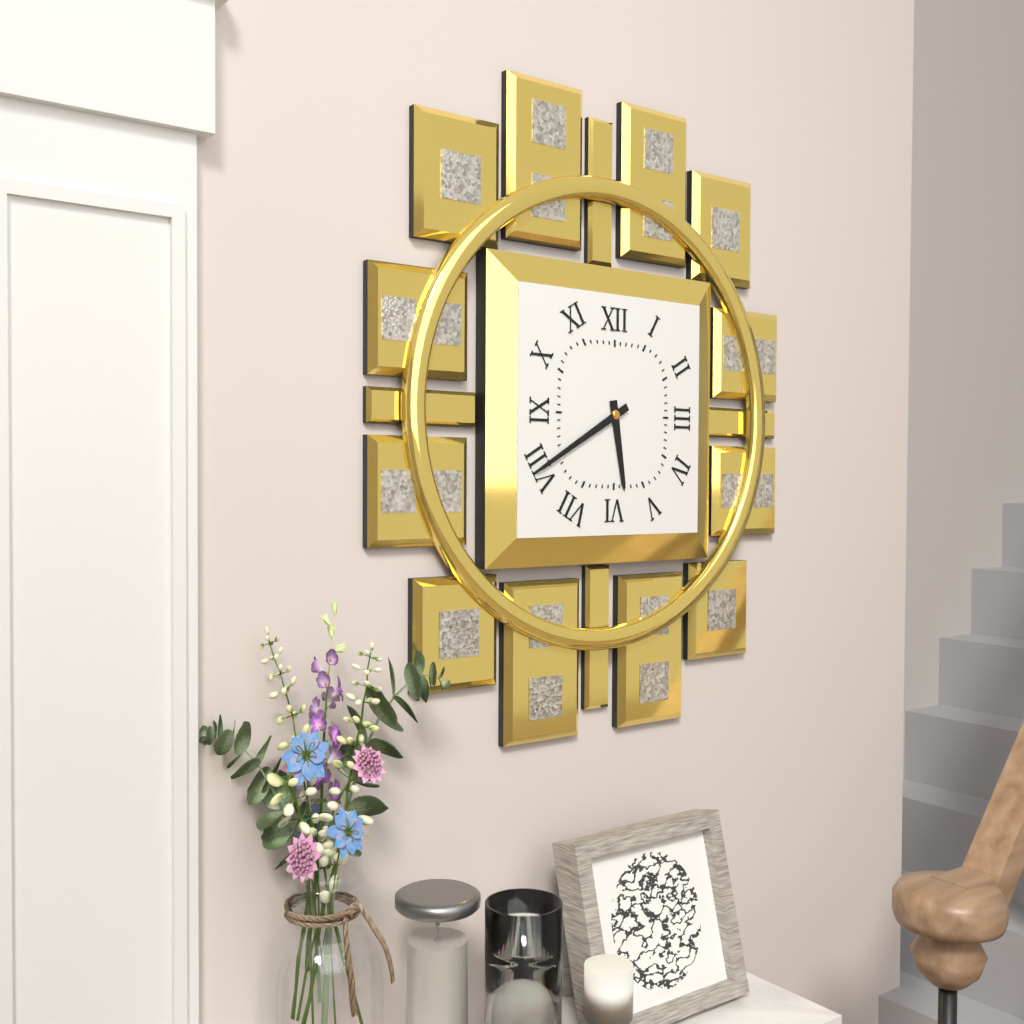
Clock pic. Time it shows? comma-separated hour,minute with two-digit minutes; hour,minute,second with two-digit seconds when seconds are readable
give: 5,40
